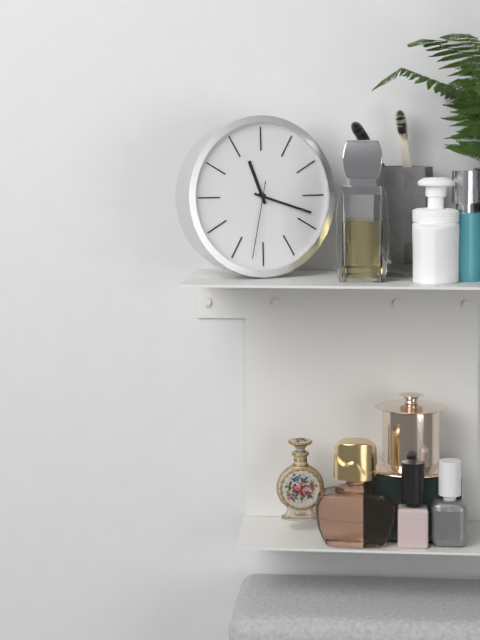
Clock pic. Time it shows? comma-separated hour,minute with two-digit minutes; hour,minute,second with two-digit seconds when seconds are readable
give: 11,18,32
